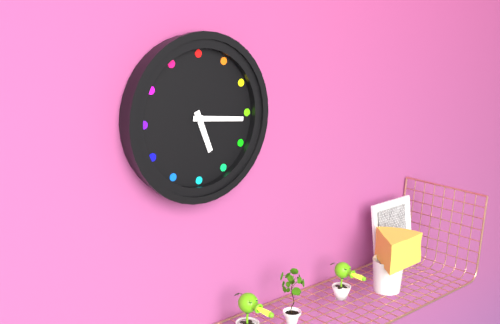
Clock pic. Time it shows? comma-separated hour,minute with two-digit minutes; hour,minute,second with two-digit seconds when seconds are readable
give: 5,16
